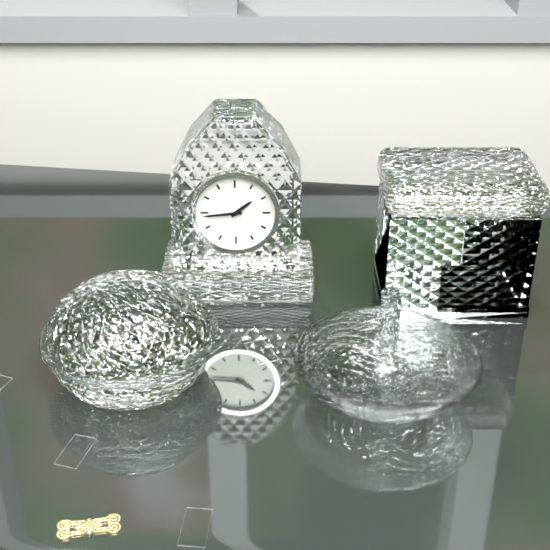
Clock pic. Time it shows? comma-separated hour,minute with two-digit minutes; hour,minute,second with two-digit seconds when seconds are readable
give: 1,44
